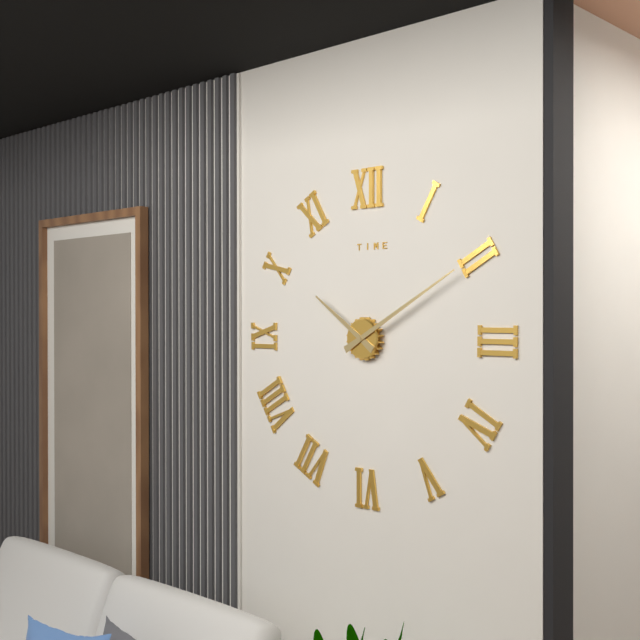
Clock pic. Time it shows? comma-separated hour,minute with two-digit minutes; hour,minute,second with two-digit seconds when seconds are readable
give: 10,10
